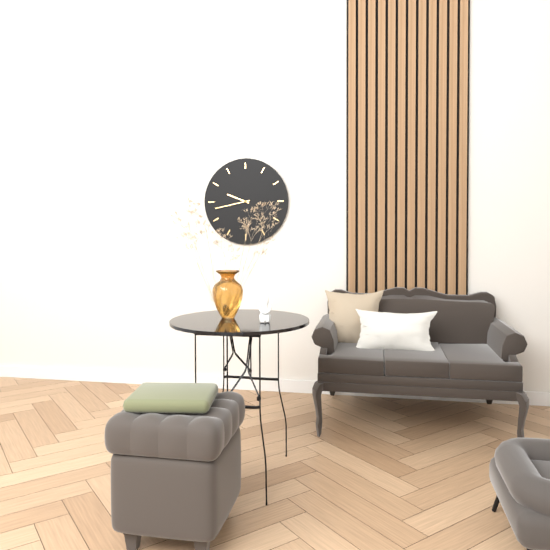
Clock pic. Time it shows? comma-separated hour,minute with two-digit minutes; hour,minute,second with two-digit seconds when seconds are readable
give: 9,43
